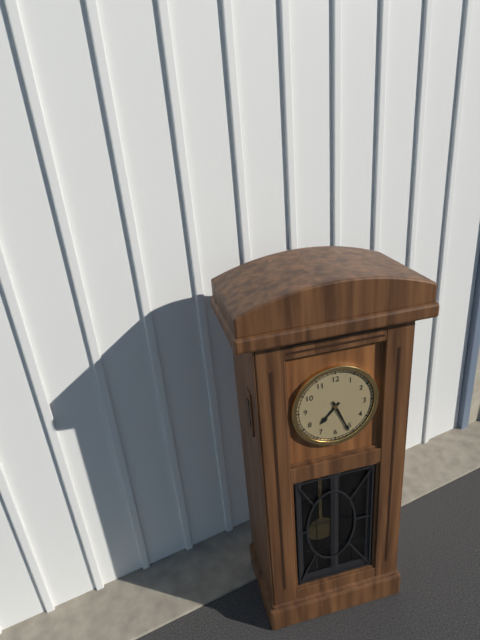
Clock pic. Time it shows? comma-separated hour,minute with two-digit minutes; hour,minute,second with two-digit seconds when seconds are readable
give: 7,26
